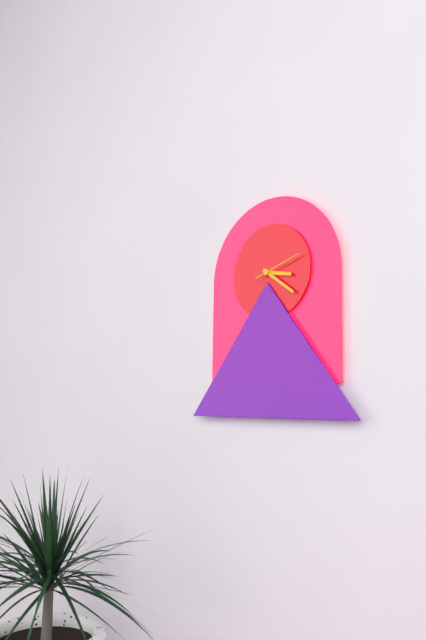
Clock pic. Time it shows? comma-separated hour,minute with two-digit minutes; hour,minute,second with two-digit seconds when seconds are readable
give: 3,21
